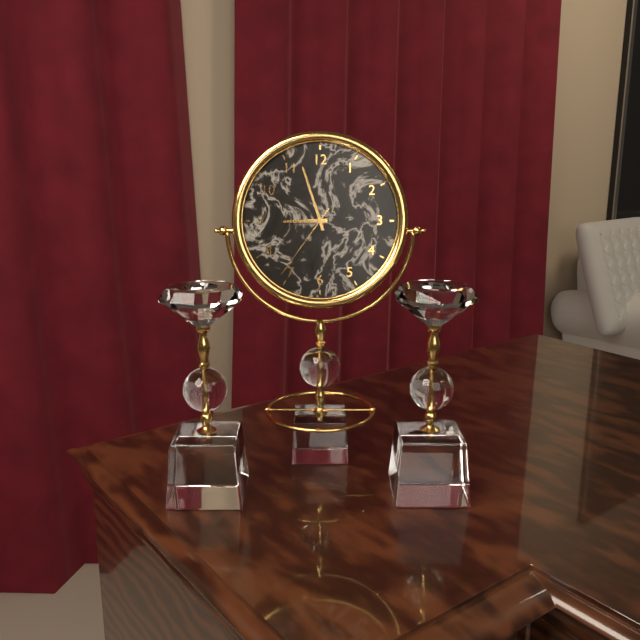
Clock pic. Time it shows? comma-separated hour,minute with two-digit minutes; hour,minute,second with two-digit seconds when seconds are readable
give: 8,57,36
